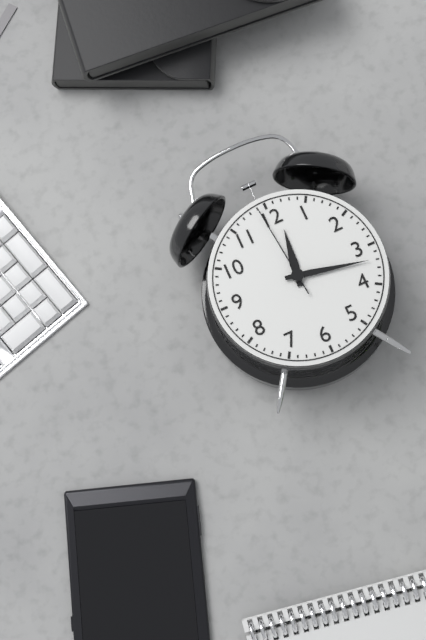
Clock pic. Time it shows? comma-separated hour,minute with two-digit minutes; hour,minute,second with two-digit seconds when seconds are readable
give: 12,17,59
